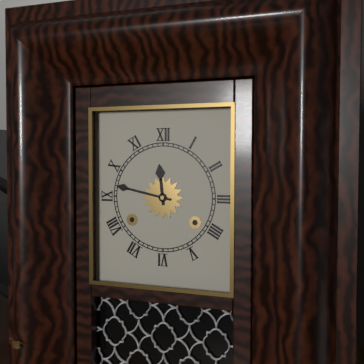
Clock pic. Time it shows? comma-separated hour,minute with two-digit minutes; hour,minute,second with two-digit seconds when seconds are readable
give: 11,47
